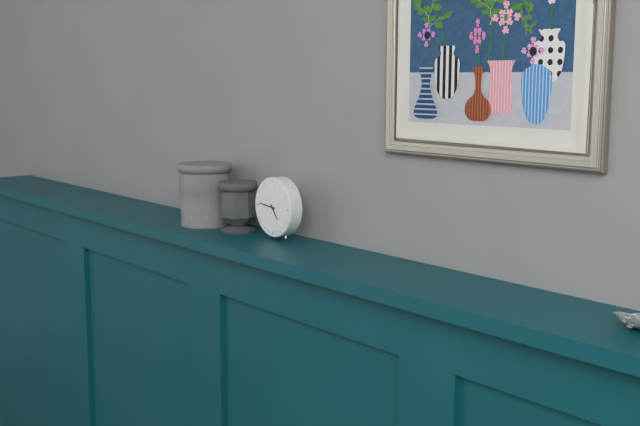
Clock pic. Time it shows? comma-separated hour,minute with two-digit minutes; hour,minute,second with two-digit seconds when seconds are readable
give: 4,46
